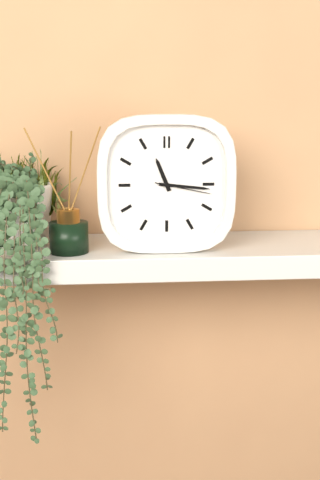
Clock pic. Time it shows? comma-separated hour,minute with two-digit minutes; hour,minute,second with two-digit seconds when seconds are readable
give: 11,16,17
